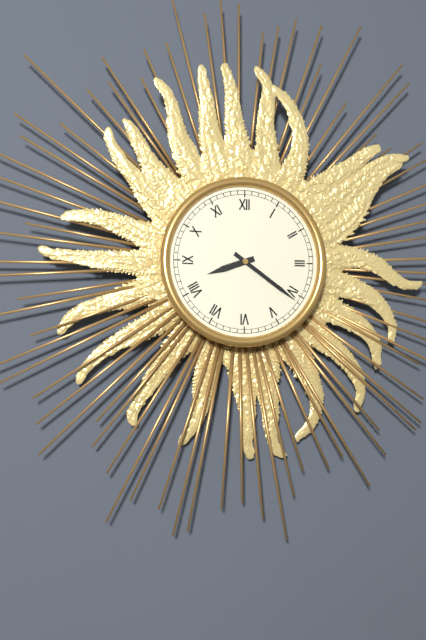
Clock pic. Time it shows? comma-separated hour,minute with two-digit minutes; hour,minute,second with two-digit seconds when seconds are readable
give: 8,21
